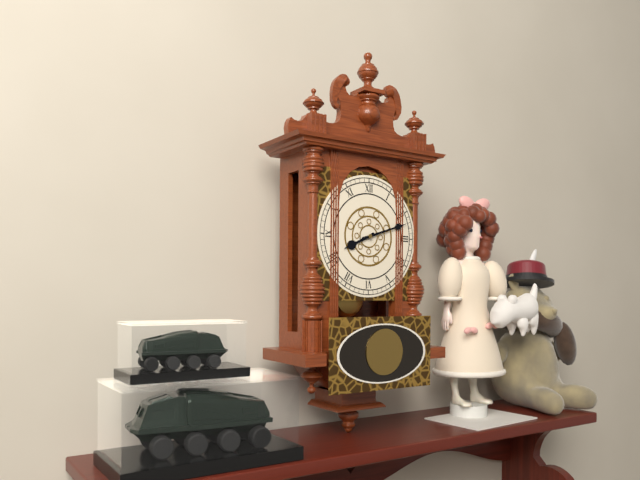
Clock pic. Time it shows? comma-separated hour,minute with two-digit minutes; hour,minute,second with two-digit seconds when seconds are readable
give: 8,12
